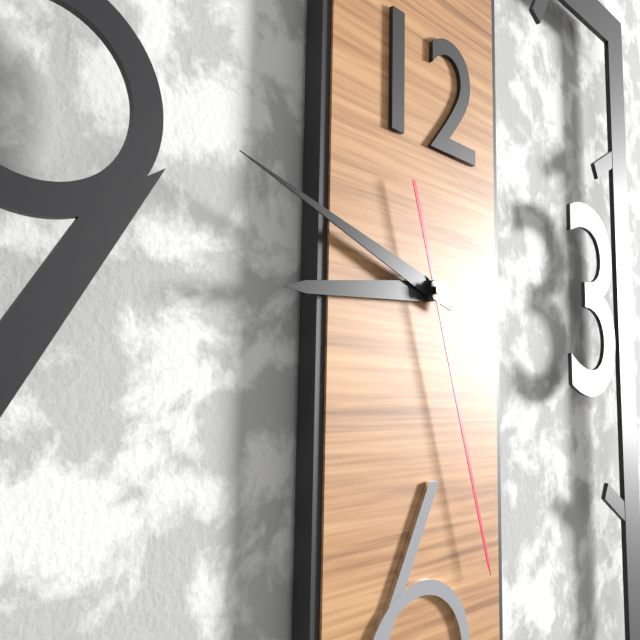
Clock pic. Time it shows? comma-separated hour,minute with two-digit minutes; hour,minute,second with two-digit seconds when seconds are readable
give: 8,48,27
